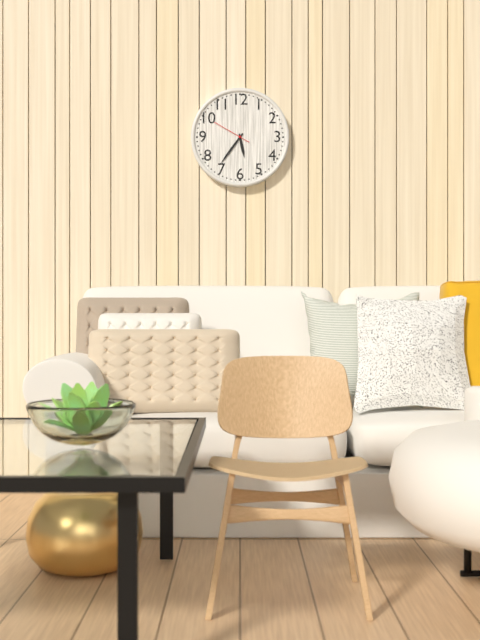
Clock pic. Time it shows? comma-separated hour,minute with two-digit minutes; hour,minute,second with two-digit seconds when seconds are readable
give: 5,36
